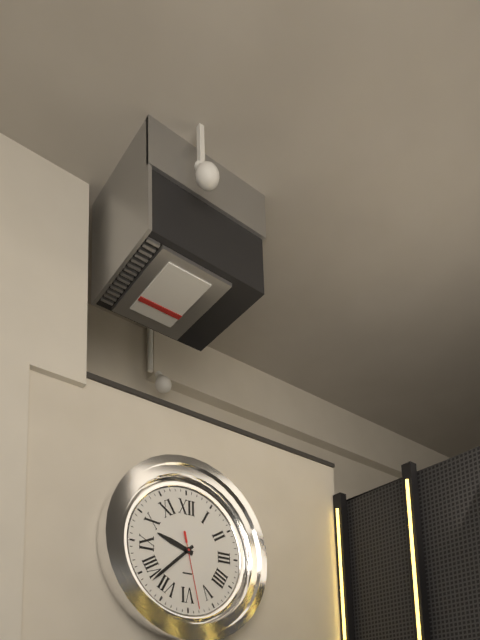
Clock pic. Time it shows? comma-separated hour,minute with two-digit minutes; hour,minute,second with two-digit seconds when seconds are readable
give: 9,38,28
